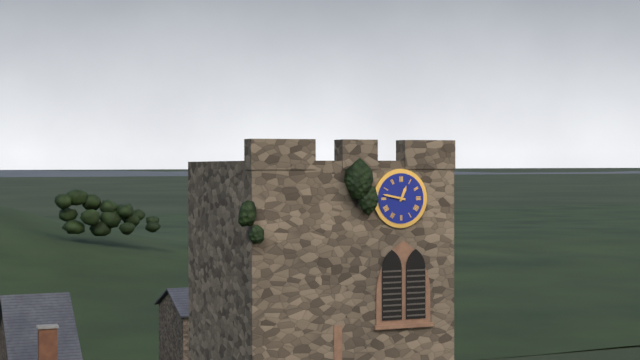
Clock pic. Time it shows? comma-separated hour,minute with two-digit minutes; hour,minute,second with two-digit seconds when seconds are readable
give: 12,47
